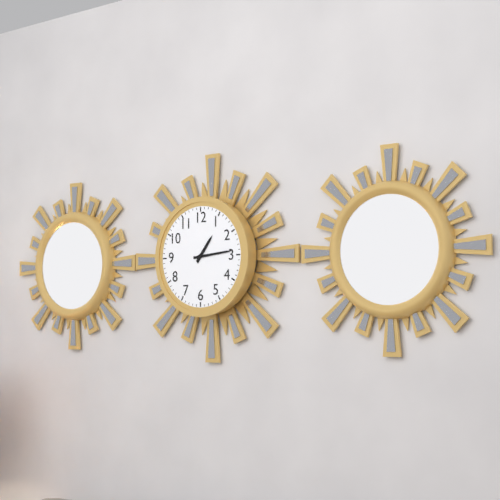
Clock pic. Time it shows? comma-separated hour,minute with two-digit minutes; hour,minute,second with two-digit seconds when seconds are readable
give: 1,14
